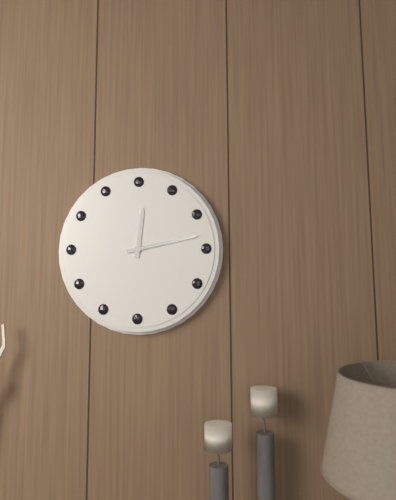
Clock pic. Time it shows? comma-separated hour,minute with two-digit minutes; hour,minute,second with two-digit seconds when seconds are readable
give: 12,13
